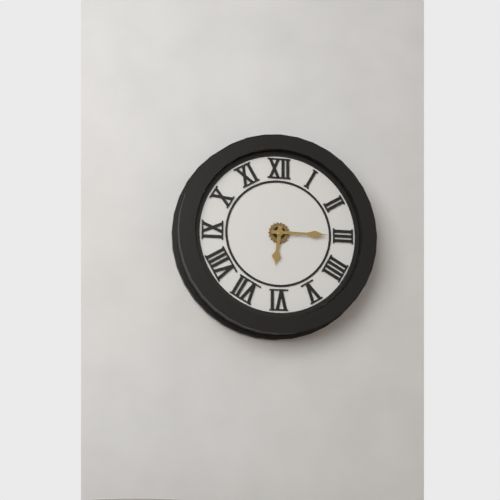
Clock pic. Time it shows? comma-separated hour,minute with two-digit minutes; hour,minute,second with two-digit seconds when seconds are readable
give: 6,15
